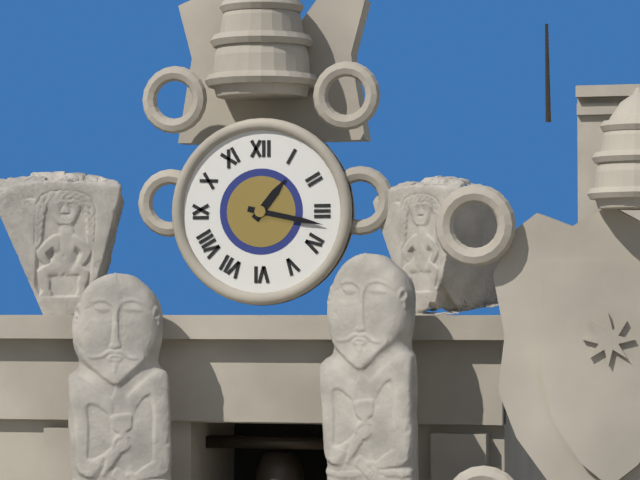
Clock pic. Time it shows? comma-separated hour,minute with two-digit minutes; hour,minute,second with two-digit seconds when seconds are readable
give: 1,17
